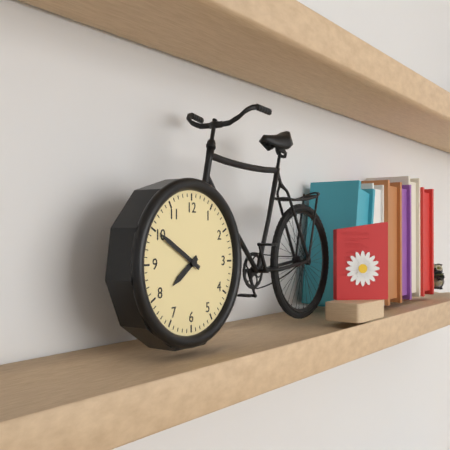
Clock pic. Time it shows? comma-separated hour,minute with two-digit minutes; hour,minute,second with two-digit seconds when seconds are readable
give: 7,50
